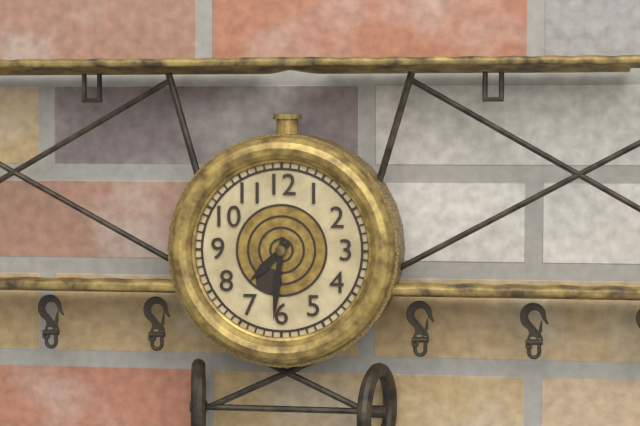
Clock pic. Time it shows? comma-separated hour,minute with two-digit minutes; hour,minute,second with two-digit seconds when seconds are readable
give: 7,31
